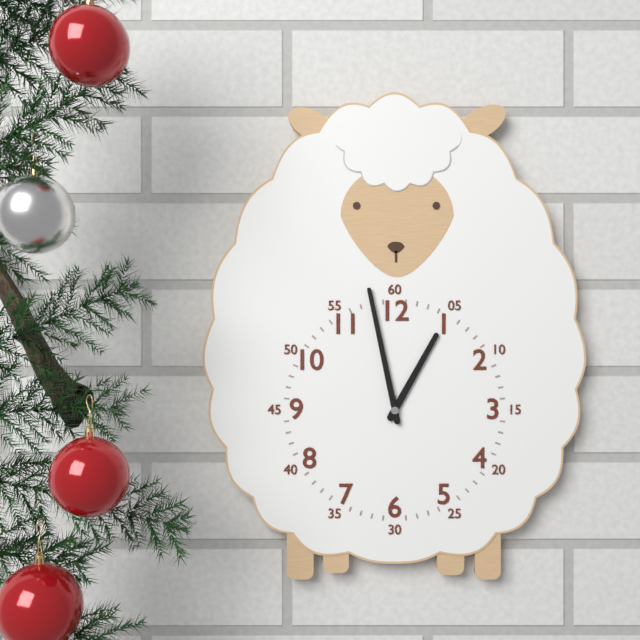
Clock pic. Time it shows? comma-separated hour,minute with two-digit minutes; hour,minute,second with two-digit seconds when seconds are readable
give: 12,58
